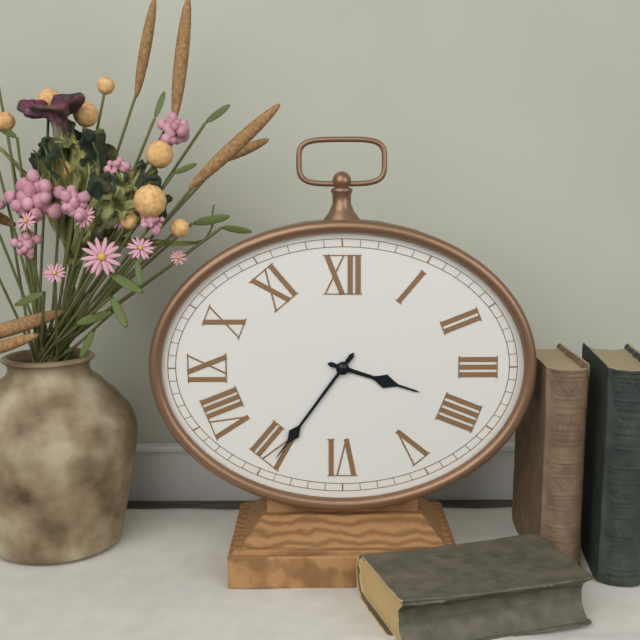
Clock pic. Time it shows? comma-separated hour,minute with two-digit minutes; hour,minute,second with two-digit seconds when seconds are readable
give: 3,36
